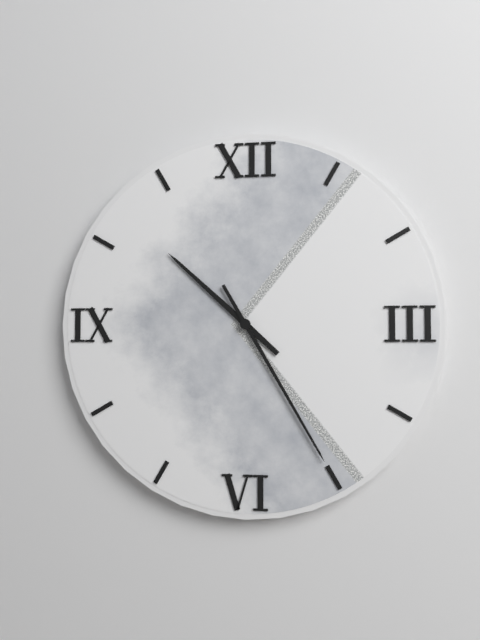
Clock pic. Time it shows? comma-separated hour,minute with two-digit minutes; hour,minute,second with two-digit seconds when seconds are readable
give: 10,25
